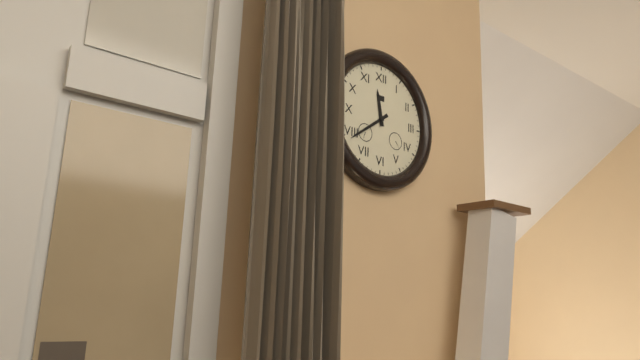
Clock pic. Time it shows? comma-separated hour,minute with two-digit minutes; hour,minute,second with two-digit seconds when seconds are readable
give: 11,39
